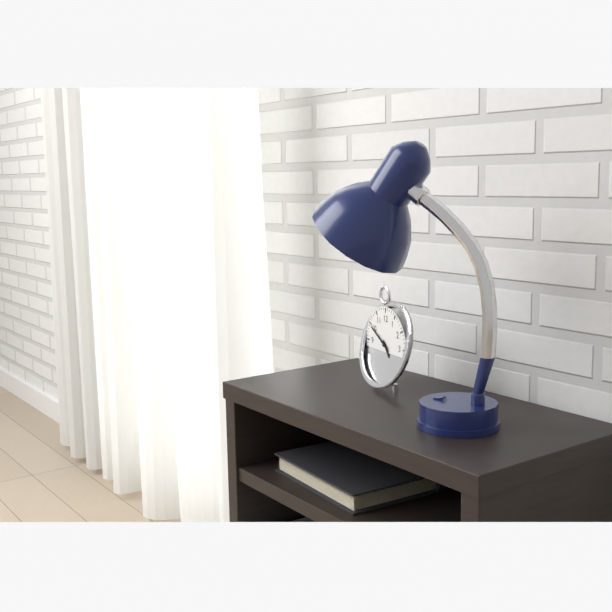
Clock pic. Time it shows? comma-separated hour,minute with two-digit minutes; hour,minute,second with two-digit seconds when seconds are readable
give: 4,50
